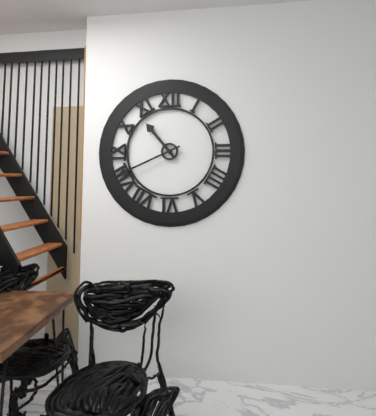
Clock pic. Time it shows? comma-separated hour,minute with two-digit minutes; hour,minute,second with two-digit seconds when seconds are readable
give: 10,41
